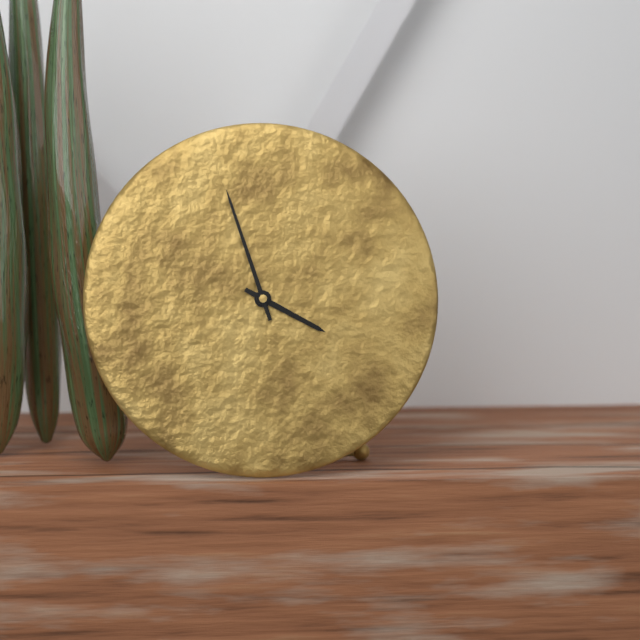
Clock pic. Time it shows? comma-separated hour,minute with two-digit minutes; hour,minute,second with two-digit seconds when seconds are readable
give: 3,57
